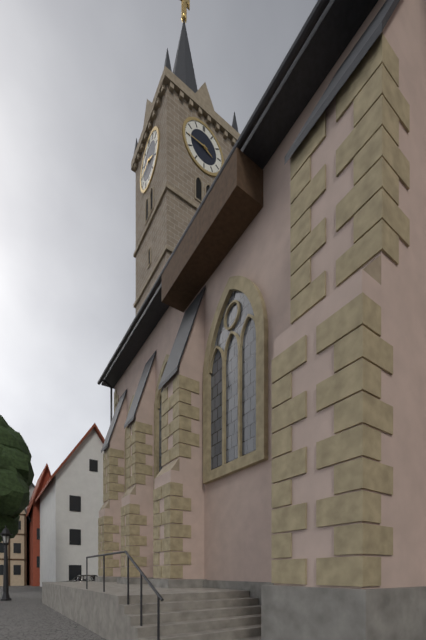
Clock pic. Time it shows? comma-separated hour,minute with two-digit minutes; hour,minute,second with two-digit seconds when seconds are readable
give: 3,45
